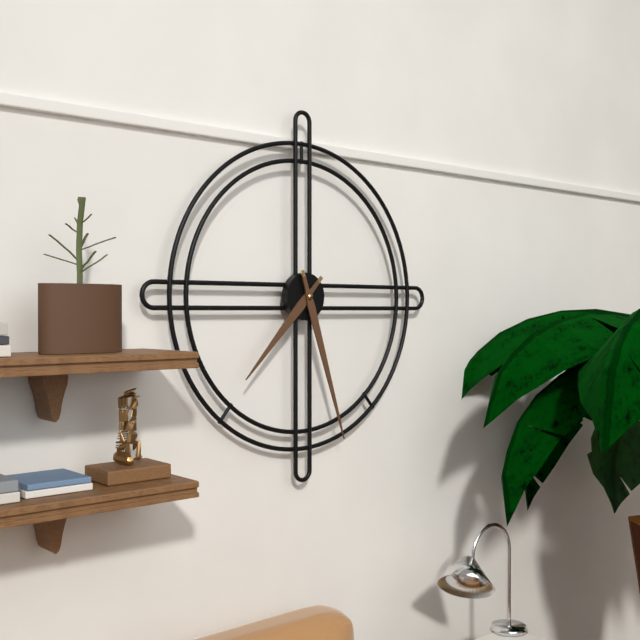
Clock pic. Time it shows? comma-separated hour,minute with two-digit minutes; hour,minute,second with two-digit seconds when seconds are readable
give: 7,27
